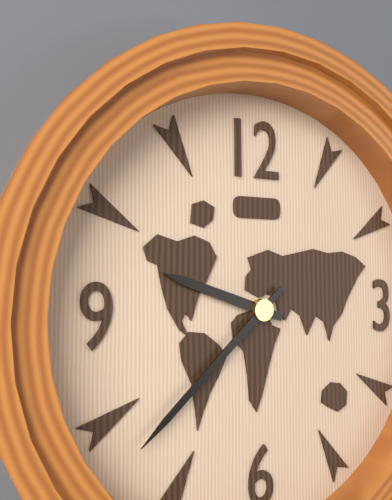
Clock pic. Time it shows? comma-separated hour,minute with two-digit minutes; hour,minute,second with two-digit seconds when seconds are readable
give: 9,38
